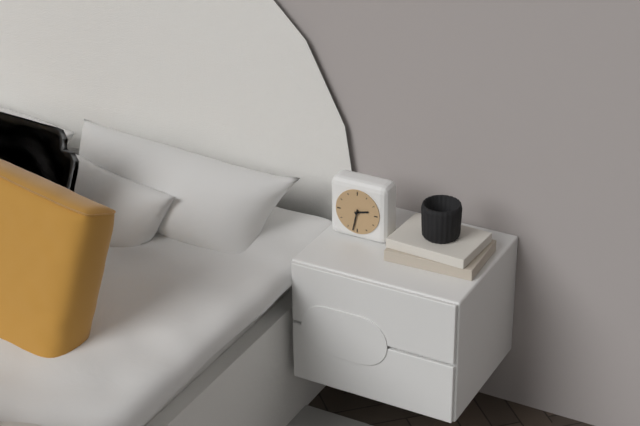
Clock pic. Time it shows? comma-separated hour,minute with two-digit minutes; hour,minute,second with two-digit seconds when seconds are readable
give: 2,32
